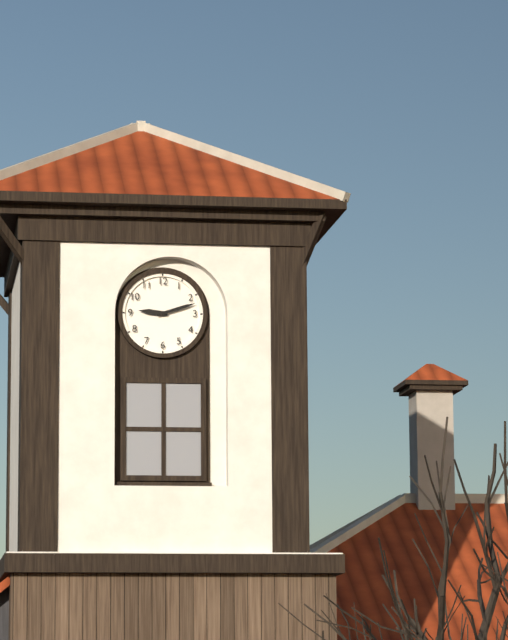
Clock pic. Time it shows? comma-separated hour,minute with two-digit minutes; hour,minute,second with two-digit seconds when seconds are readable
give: 9,12
